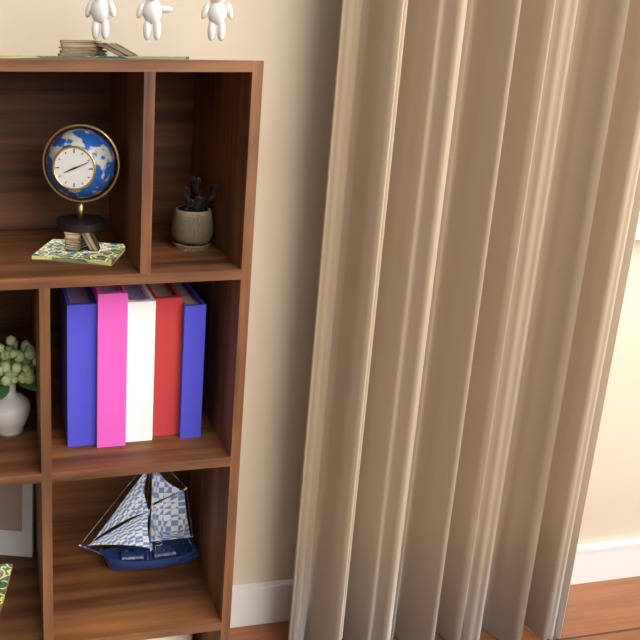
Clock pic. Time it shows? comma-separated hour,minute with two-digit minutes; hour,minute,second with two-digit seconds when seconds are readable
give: 8,11
